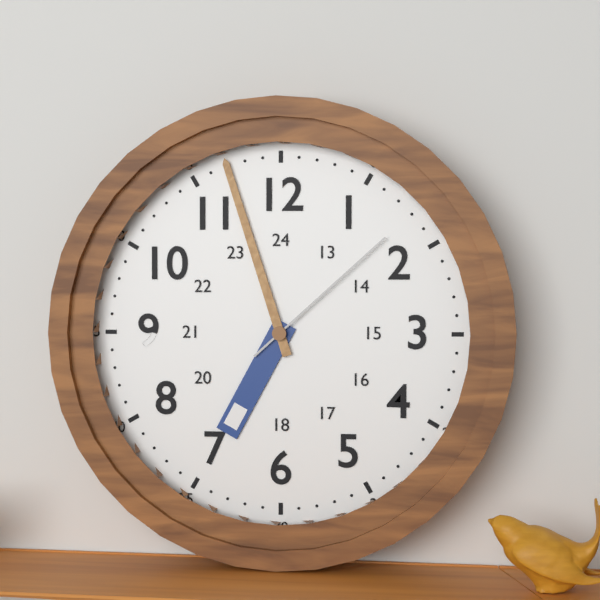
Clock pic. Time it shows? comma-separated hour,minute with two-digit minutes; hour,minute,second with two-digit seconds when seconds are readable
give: 6,57,08
